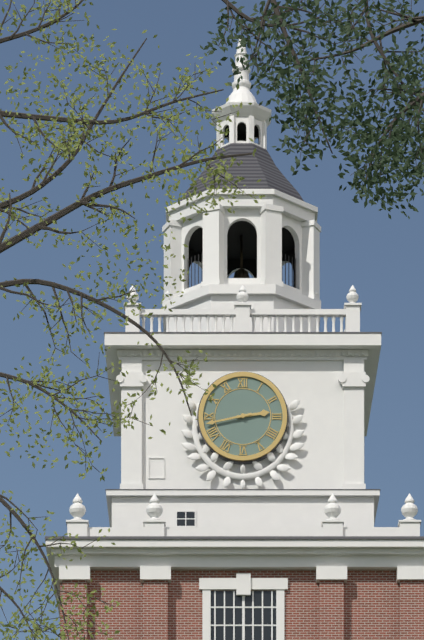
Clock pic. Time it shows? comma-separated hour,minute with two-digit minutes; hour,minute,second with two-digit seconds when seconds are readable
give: 2,43
